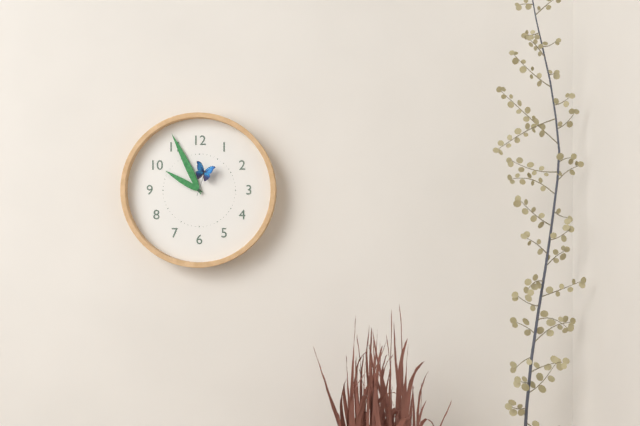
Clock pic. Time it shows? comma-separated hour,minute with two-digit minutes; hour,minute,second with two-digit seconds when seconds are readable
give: 9,56
